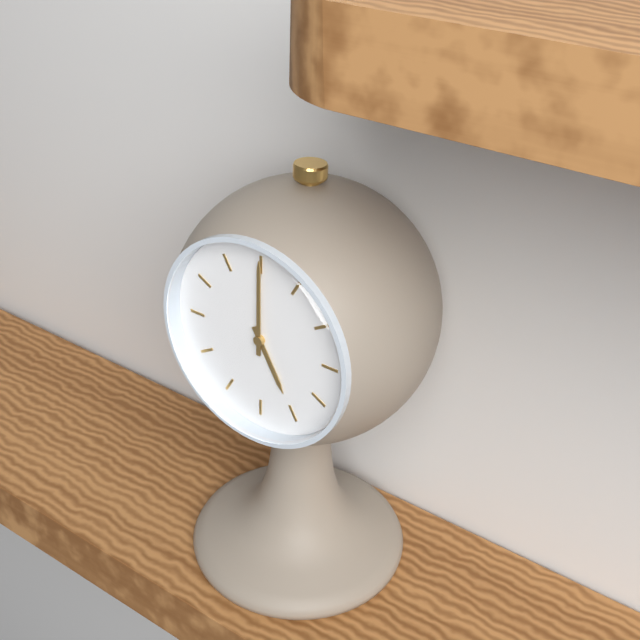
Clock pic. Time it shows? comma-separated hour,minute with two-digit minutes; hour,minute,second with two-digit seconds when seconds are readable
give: 5,00
